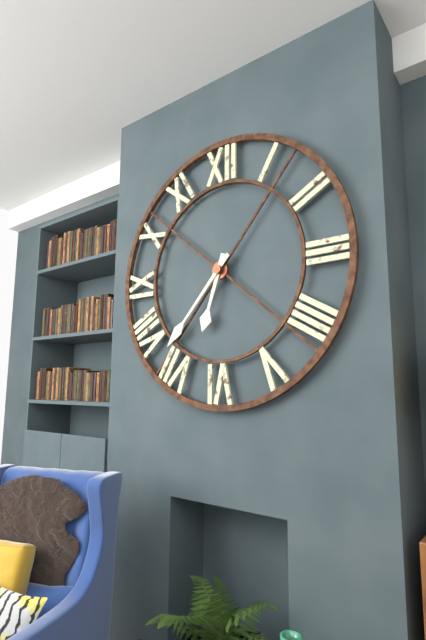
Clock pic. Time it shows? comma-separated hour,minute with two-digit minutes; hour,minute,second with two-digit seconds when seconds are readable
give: 6,37
